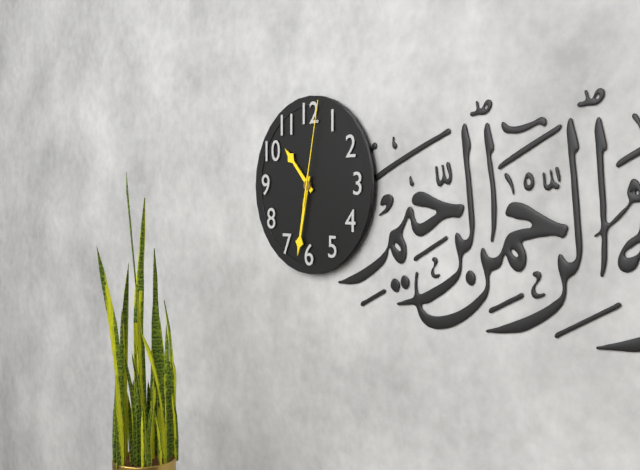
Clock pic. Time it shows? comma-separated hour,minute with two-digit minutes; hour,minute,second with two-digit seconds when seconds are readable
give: 10,32,02
